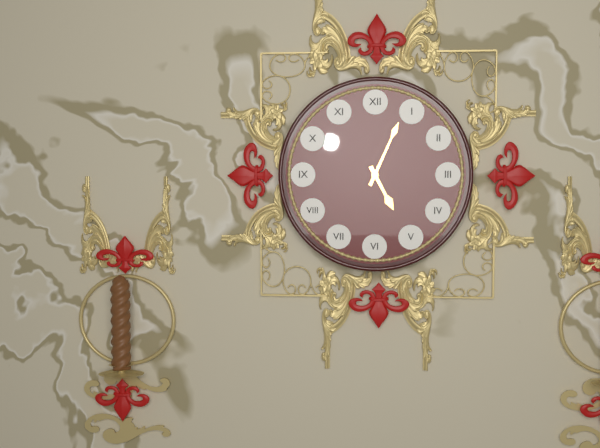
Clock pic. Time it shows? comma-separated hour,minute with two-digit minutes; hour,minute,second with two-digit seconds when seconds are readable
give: 5,04
